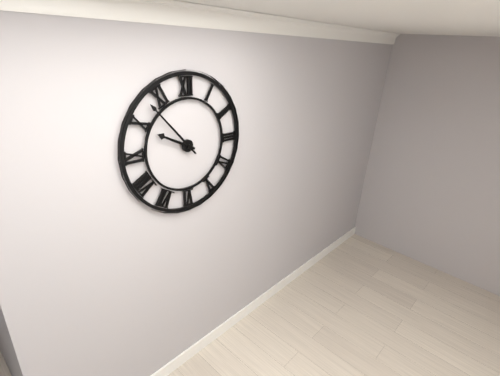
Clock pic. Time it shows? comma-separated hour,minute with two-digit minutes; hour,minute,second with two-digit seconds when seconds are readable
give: 9,53
